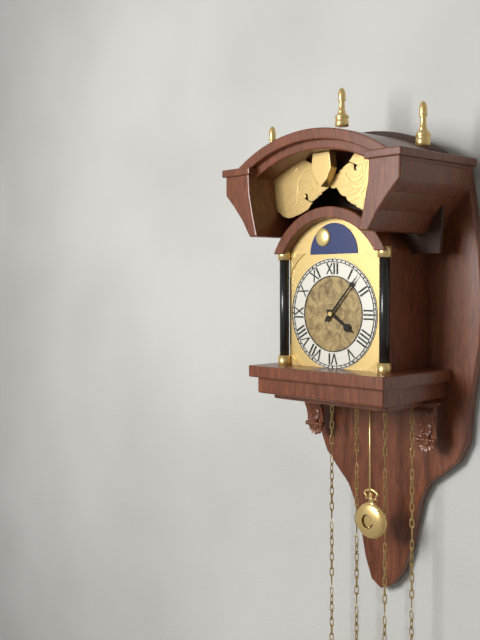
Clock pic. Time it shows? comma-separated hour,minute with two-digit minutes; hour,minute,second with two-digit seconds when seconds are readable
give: 4,07
